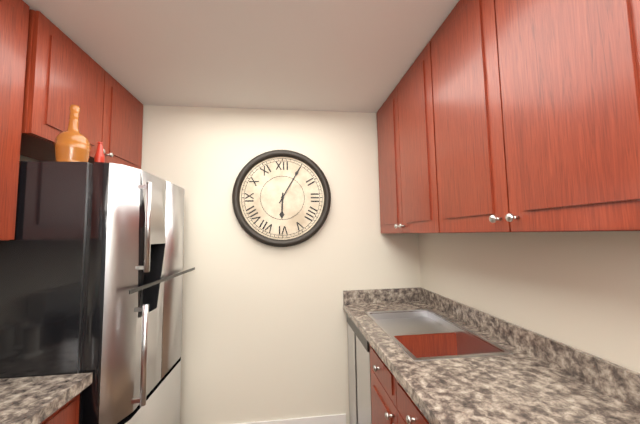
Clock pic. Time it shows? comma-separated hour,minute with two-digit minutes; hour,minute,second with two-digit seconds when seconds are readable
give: 6,05
